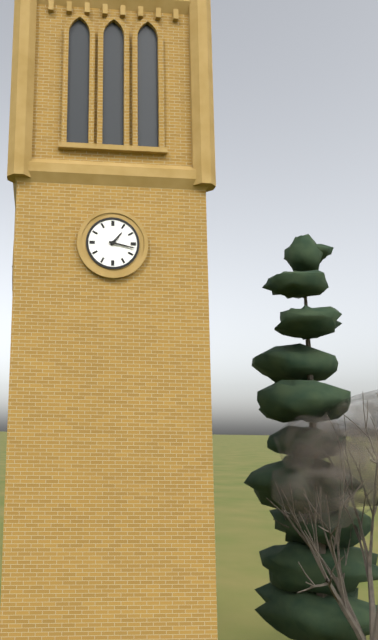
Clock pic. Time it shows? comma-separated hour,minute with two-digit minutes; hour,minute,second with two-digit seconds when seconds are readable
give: 1,17
